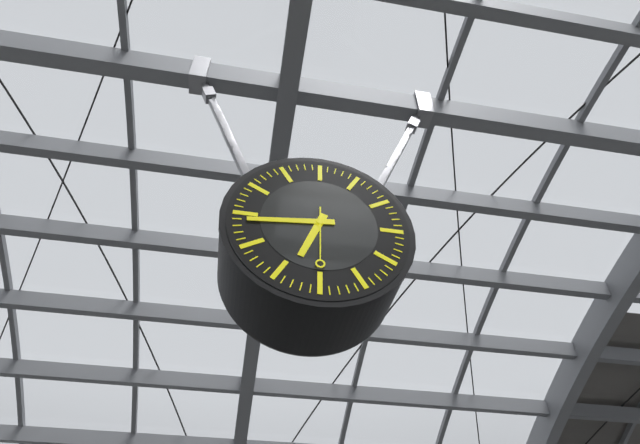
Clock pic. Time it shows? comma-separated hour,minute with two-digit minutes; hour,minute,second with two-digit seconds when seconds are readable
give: 6,44,30
